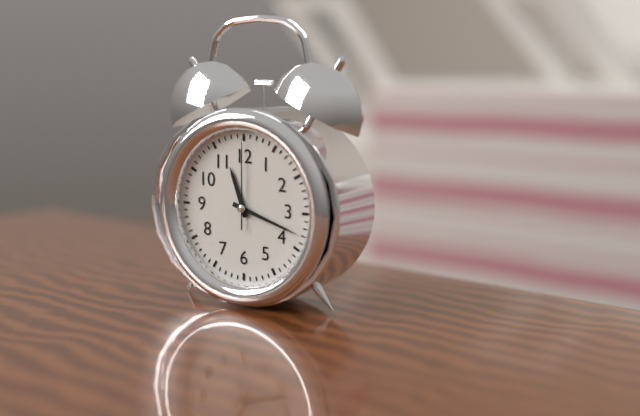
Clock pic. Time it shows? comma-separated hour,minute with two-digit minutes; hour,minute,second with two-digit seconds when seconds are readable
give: 11,18,00
